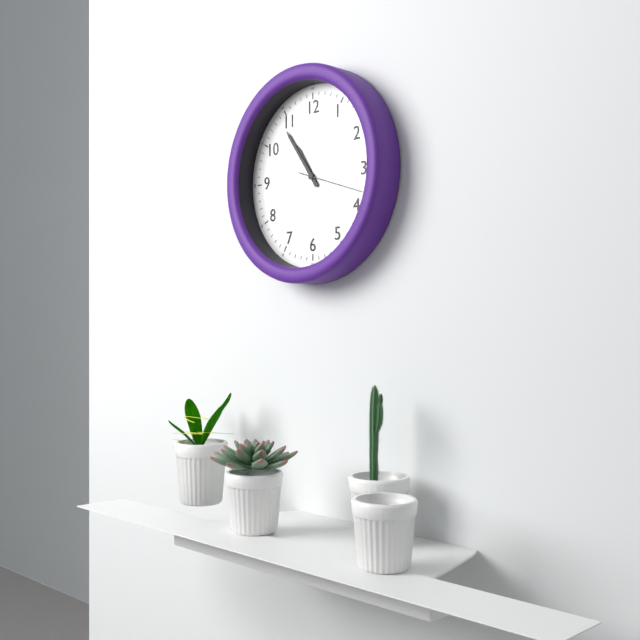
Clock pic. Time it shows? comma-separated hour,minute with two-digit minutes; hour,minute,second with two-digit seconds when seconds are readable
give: 10,54,18
